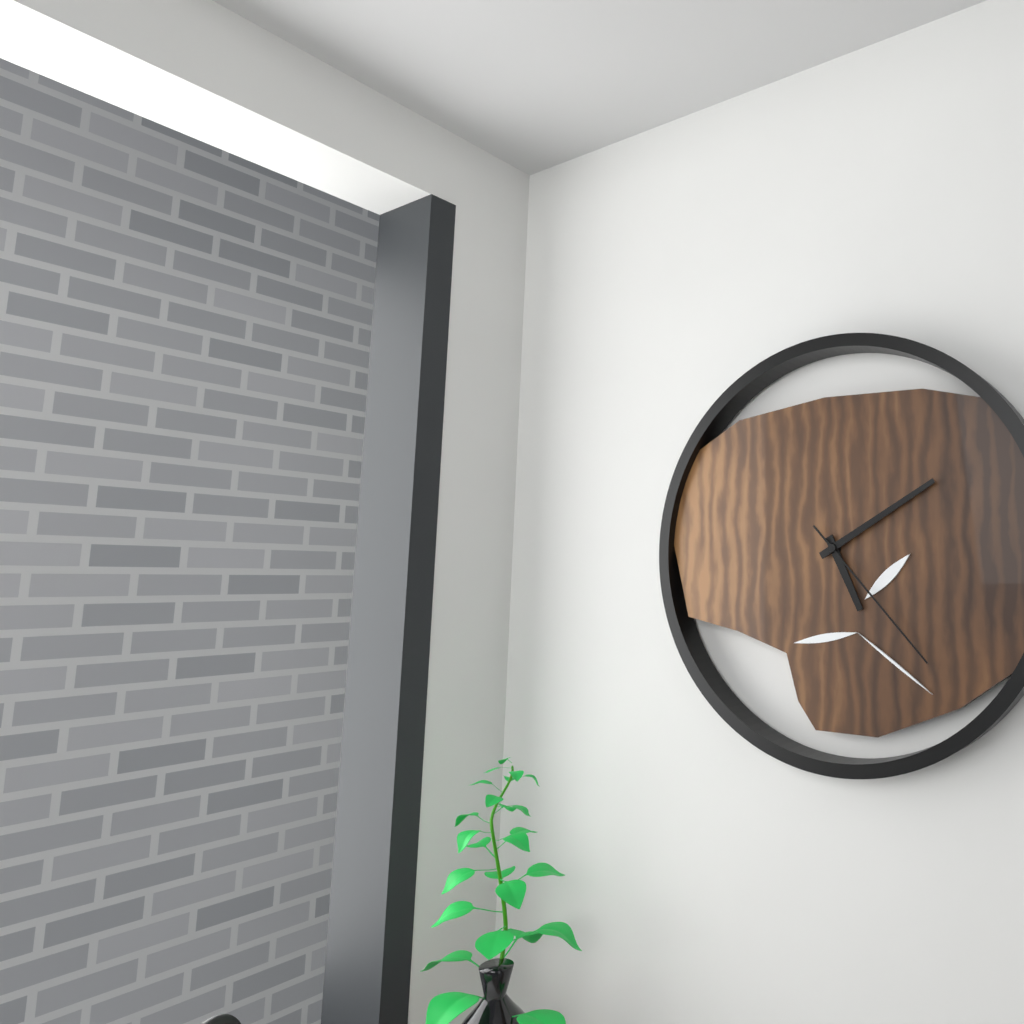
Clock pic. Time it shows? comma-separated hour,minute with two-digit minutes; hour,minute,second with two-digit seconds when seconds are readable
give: 5,10,23
